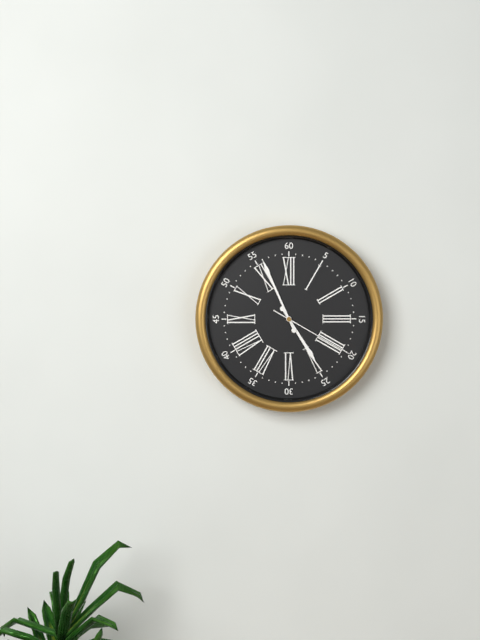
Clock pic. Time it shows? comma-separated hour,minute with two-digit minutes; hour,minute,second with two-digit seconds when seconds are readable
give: 4,56,20
